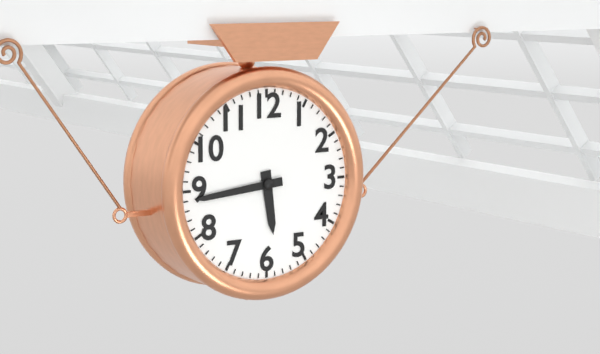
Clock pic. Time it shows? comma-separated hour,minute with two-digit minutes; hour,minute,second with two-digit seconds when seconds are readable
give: 5,44
